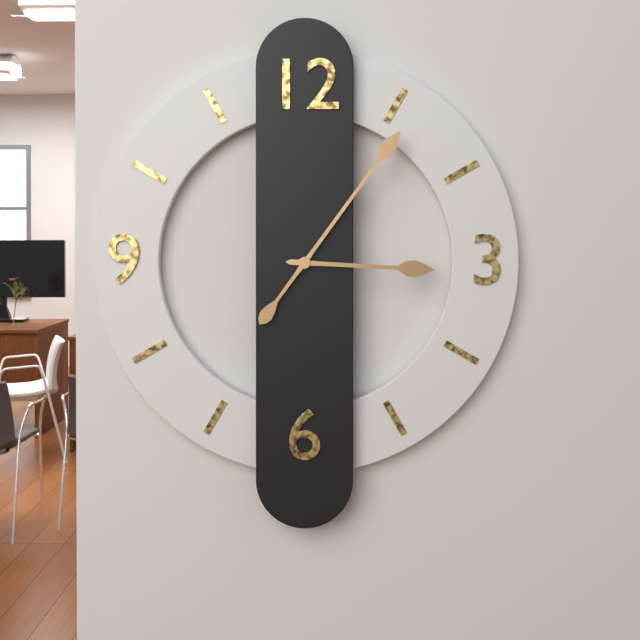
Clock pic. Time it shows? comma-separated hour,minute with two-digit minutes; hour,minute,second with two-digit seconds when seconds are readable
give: 3,06
